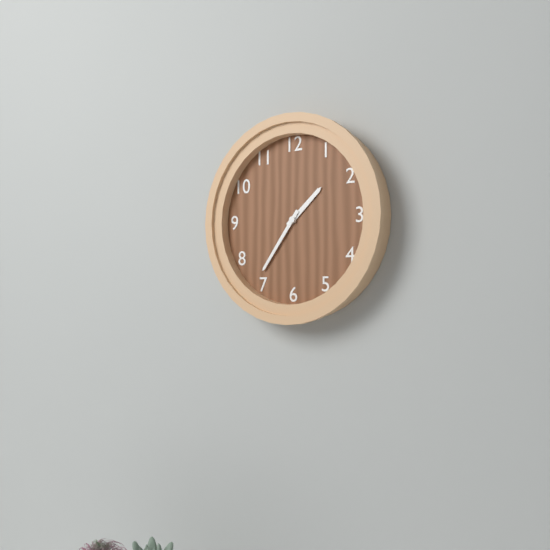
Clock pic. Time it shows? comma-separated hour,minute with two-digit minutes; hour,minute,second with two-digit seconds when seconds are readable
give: 1,36
